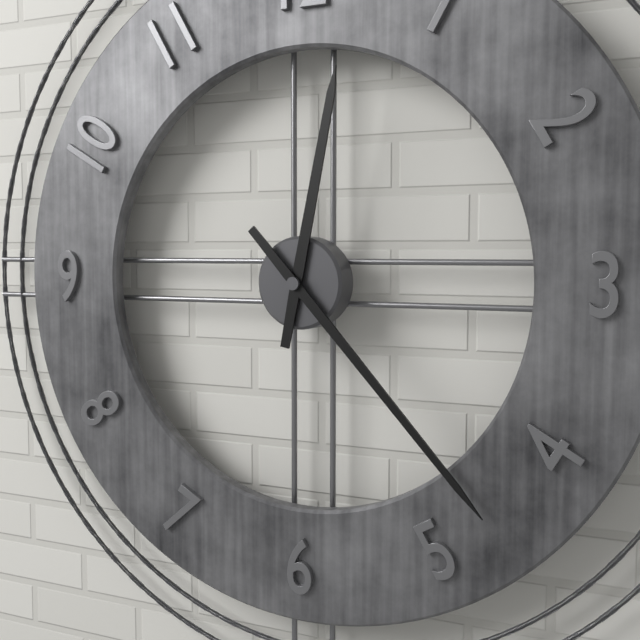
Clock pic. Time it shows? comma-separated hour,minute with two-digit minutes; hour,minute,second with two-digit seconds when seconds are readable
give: 12,23
